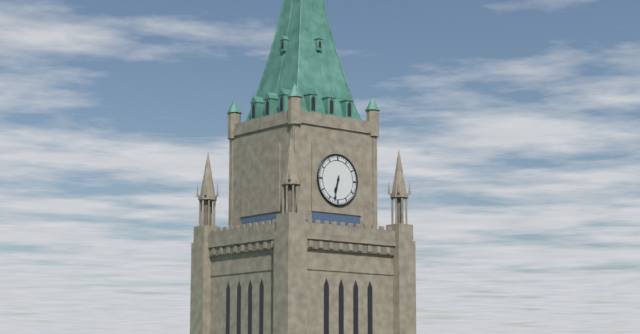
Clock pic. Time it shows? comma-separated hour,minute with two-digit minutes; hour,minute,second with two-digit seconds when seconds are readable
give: 6,32
